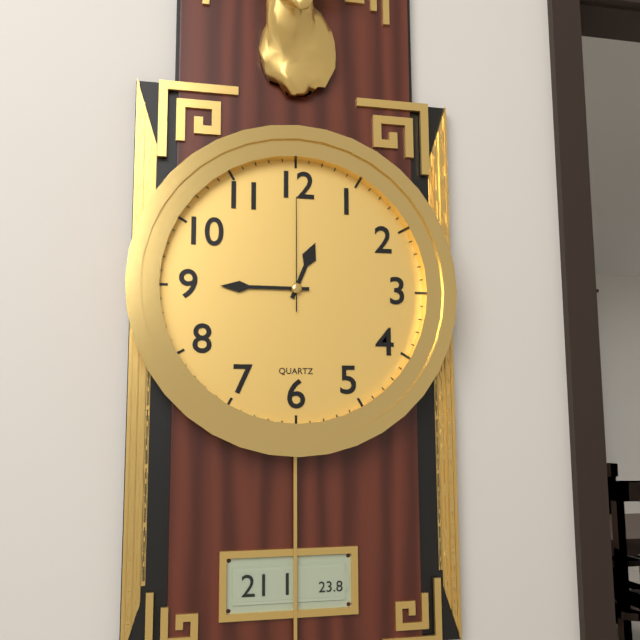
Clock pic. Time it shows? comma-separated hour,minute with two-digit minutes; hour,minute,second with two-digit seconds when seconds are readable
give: 12,45,00
